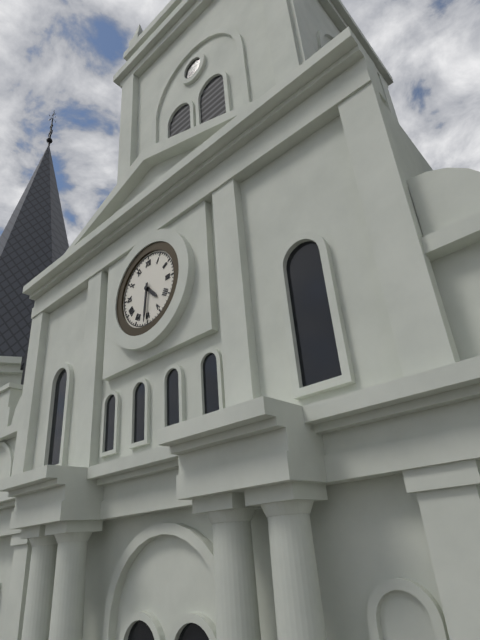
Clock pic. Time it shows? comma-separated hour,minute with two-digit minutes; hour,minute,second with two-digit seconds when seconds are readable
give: 4,31
